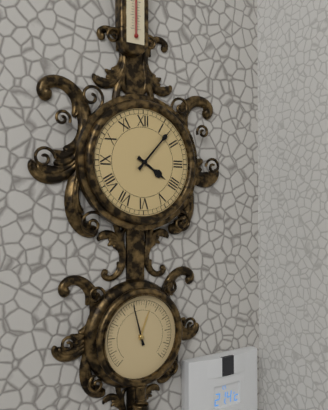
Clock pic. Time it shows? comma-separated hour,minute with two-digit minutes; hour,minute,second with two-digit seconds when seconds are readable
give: 4,07
